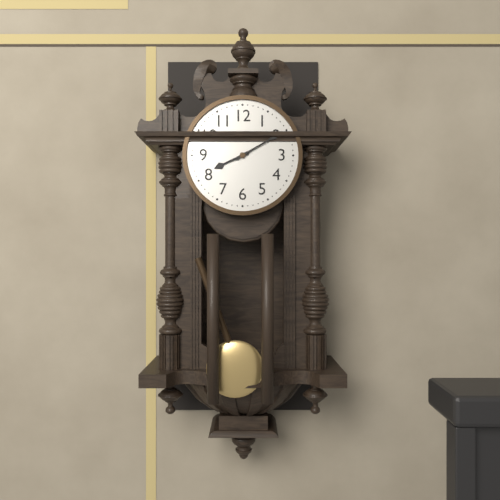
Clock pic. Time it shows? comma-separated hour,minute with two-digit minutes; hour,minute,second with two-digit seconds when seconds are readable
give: 8,10
